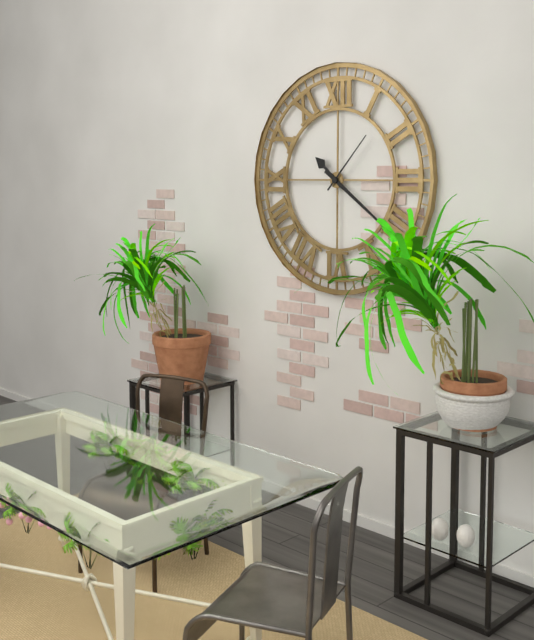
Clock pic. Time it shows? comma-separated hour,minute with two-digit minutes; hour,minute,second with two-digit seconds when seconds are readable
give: 10,21,07
